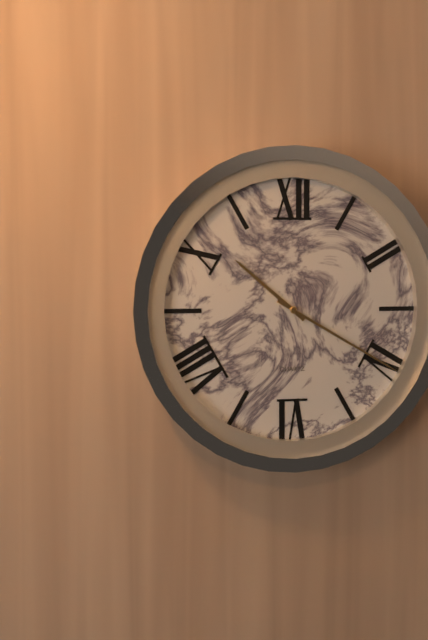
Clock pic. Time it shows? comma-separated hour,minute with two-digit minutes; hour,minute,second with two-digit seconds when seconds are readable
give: 10,20
